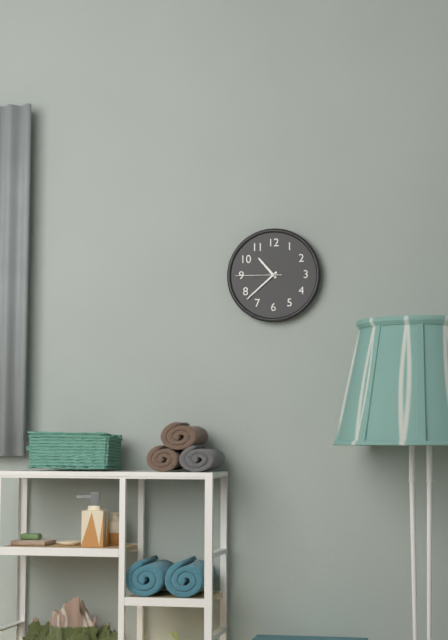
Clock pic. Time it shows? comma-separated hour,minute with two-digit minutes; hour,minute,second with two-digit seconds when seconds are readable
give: 10,38
